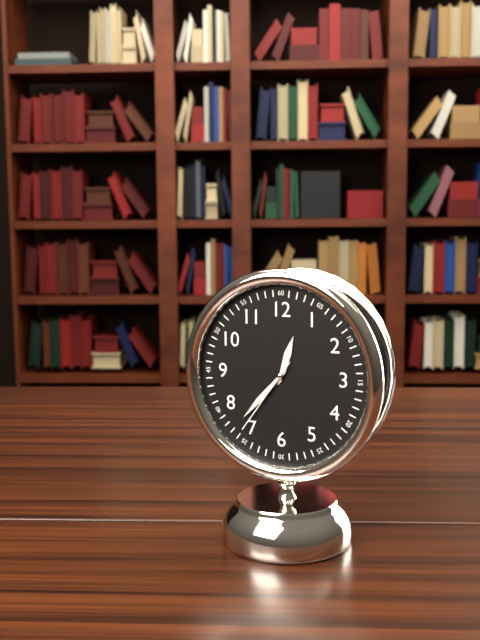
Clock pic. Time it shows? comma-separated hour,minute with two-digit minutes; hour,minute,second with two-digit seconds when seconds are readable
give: 12,37,36
